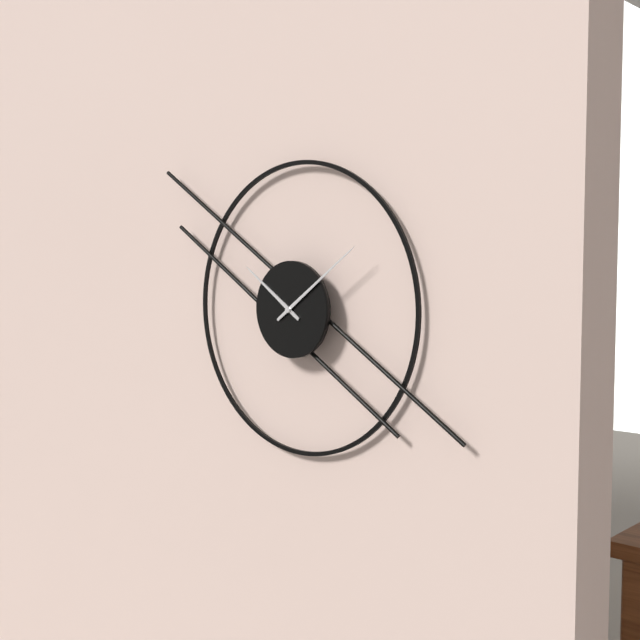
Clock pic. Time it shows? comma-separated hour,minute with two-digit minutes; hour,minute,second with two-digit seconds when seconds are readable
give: 10,09
